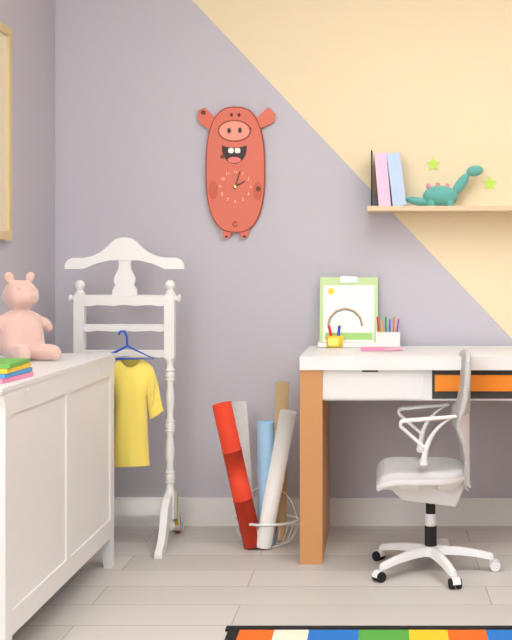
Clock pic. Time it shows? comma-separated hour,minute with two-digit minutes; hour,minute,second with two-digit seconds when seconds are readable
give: 2,03
